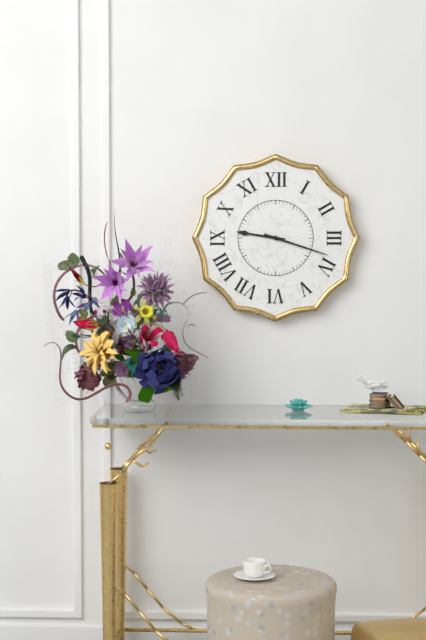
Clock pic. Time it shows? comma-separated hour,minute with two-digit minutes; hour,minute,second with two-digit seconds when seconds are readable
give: 9,18
